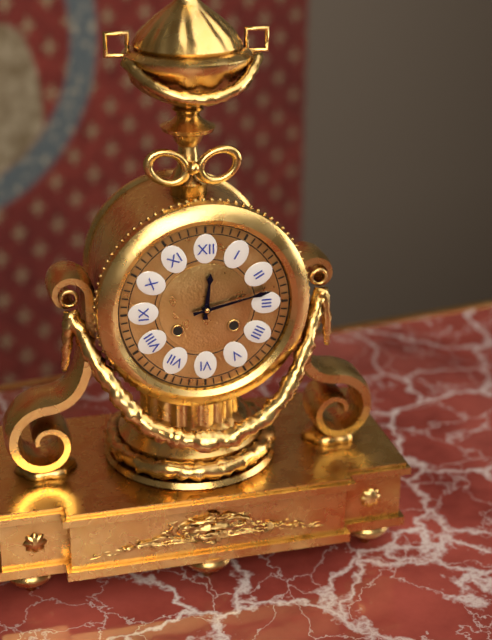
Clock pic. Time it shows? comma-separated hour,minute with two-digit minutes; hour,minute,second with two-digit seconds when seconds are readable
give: 12,13
